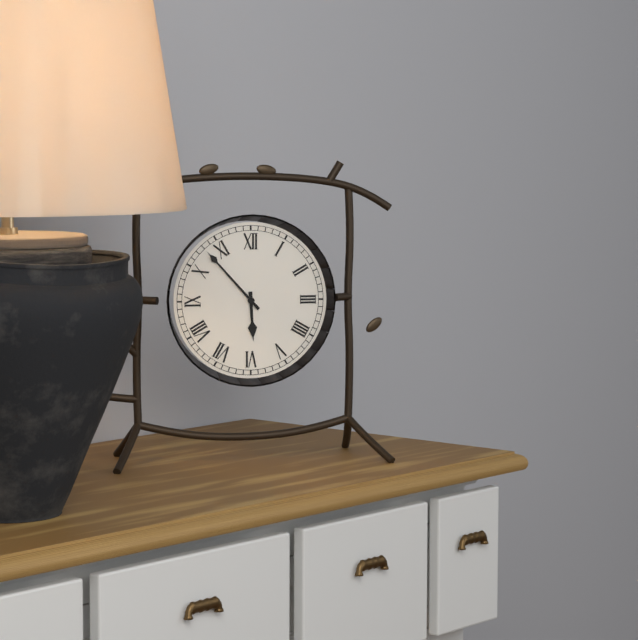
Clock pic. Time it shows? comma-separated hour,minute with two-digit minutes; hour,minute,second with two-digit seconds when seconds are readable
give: 5,53
